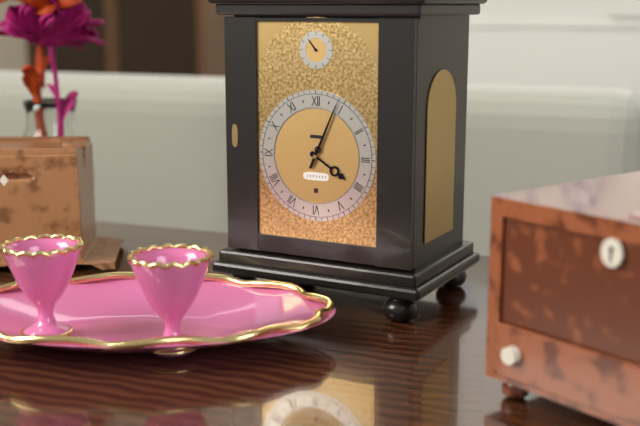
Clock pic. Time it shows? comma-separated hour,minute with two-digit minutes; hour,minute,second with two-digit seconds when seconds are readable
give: 4,04
